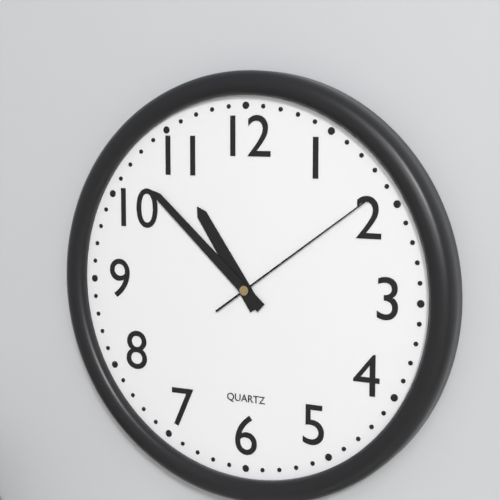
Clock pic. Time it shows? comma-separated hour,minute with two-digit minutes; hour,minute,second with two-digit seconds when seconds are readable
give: 10,52,09
